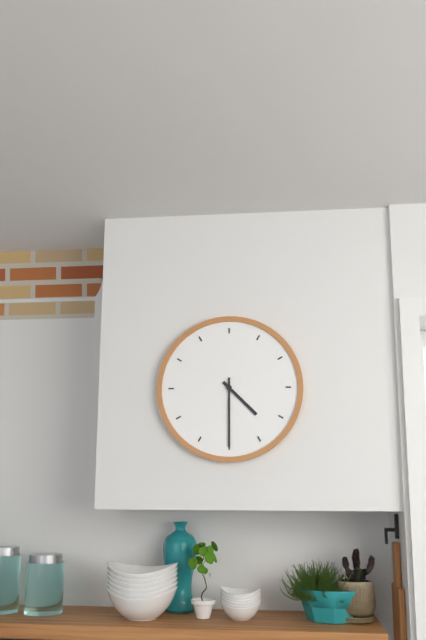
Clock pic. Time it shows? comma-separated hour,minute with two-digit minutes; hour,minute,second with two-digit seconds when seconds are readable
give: 4,30
